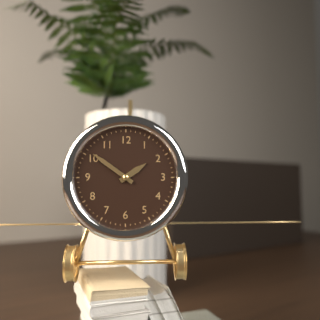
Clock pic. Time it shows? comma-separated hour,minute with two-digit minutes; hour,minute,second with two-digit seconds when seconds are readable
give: 1,51
